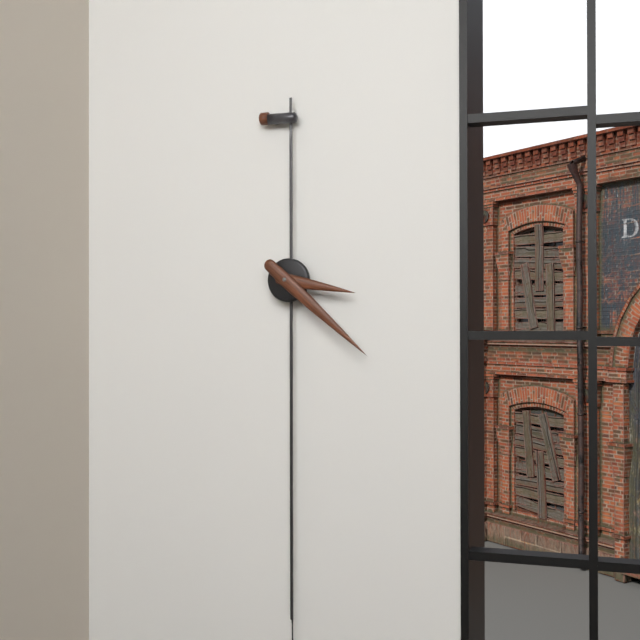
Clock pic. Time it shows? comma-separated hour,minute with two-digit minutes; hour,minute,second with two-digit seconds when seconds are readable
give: 3,22
